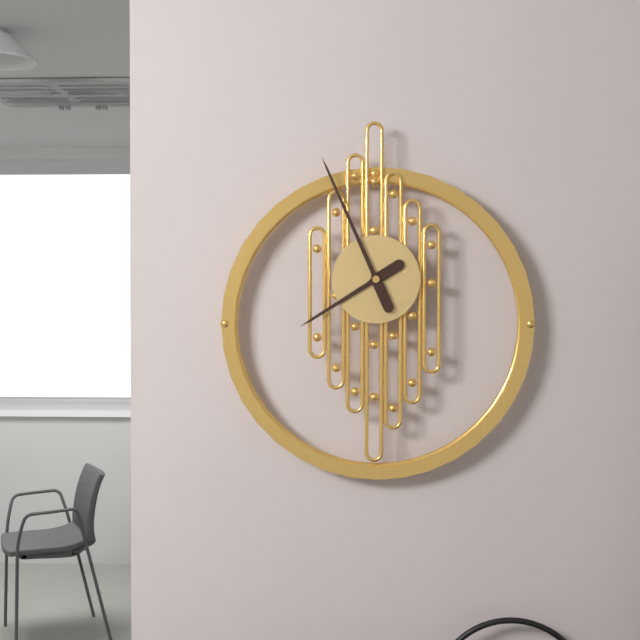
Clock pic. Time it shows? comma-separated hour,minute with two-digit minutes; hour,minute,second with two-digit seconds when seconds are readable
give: 7,56
